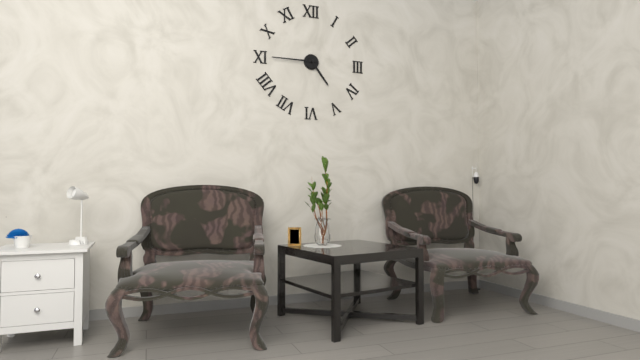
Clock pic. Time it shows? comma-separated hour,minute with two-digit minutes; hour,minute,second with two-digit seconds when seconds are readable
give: 4,45
